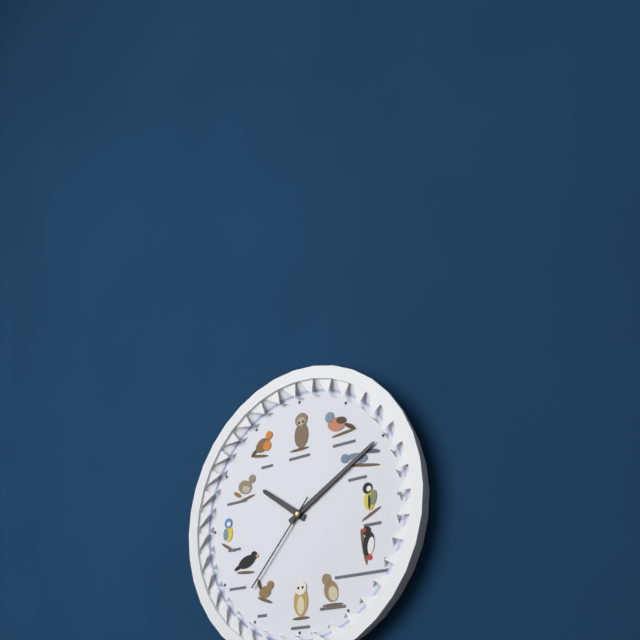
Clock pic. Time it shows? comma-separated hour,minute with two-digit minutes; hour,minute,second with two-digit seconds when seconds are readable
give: 10,10,37
